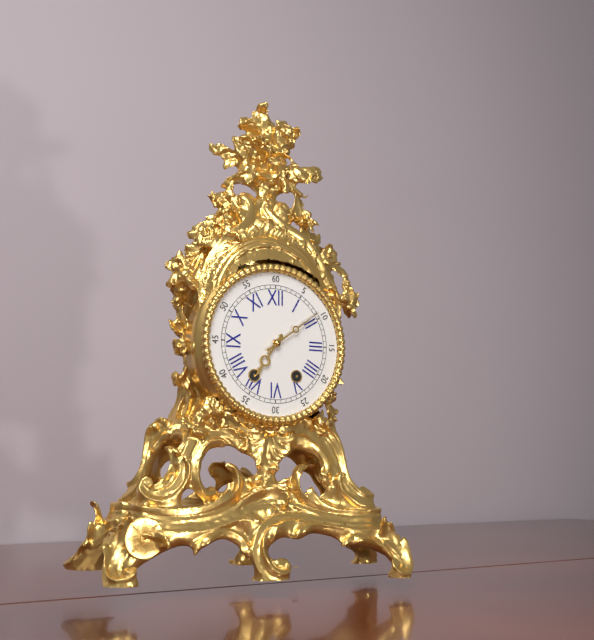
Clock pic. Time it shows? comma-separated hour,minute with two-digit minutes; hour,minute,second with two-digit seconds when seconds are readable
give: 7,09
